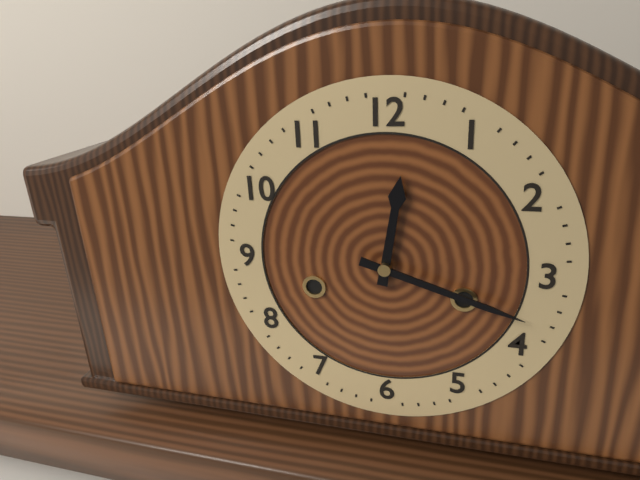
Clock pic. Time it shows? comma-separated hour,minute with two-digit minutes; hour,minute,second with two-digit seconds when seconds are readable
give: 12,18
